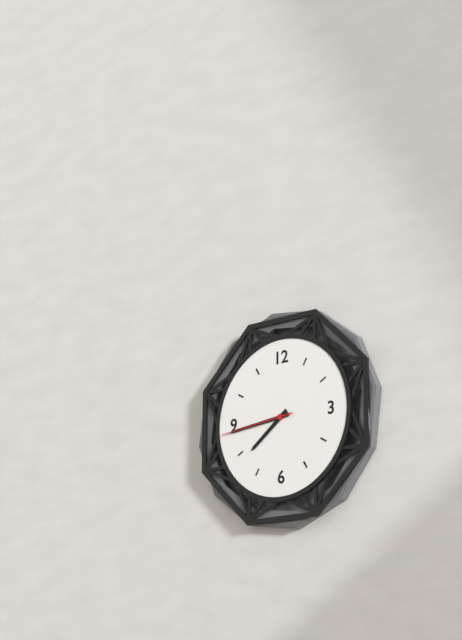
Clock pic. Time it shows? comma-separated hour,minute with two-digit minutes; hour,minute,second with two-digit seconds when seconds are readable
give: 7,44,44
